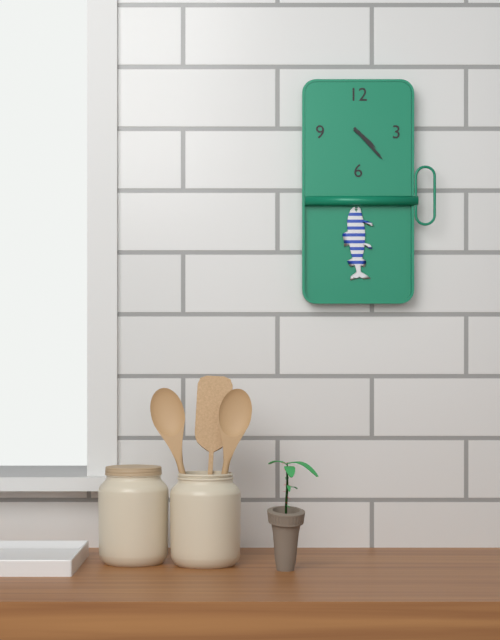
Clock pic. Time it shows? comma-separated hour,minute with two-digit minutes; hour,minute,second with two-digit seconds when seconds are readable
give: 4,23
